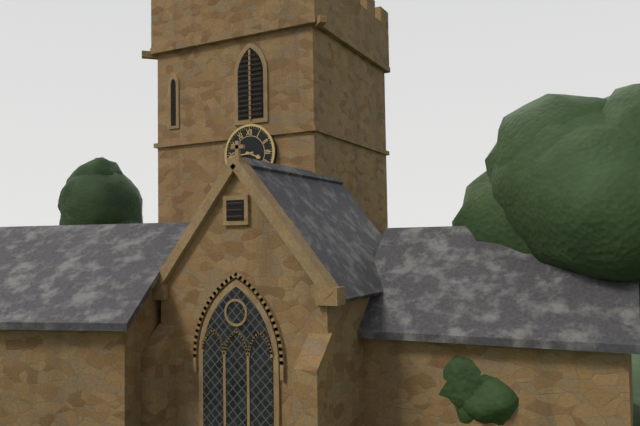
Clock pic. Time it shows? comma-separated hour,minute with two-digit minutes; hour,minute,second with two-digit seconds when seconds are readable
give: 3,44
